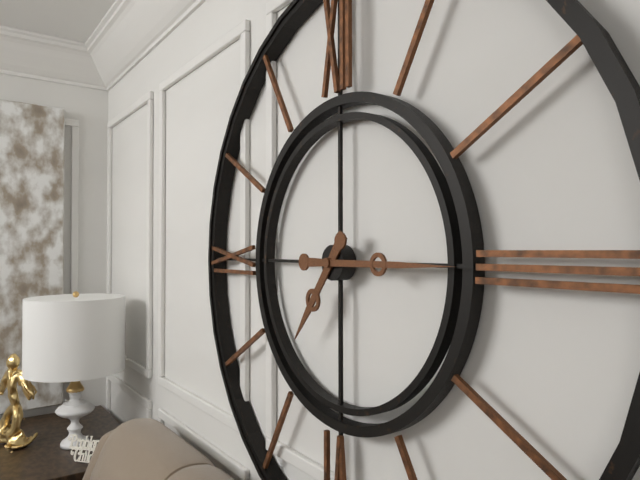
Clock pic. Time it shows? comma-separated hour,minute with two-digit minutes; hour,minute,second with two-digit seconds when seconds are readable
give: 7,15
